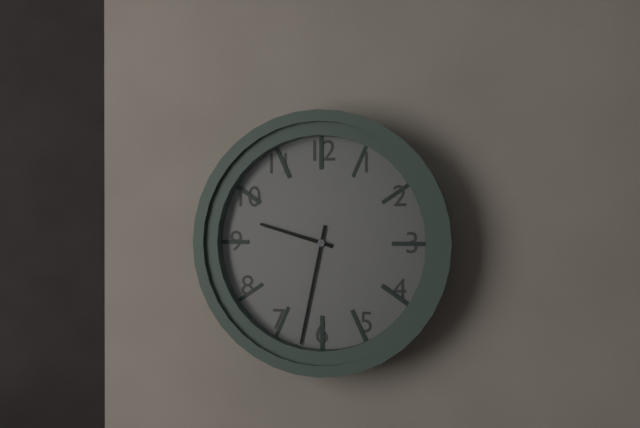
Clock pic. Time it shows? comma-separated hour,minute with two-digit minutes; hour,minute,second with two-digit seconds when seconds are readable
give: 9,32
